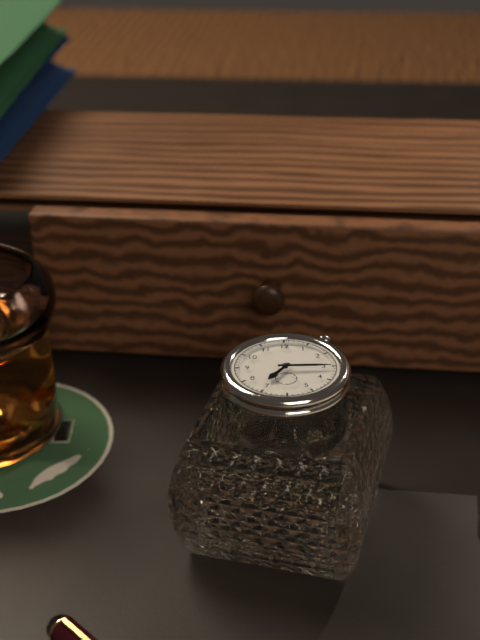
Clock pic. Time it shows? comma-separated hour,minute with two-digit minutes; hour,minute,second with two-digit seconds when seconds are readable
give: 7,15
